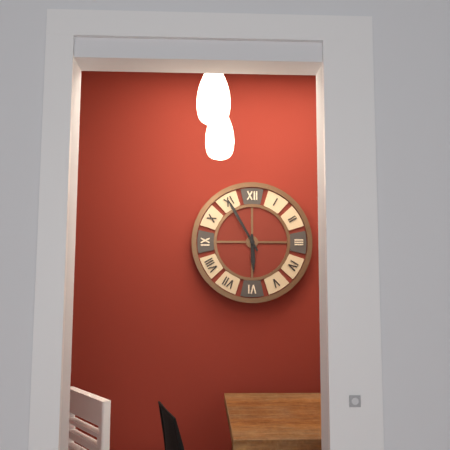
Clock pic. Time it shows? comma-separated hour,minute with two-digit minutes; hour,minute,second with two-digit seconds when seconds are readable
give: 5,55
